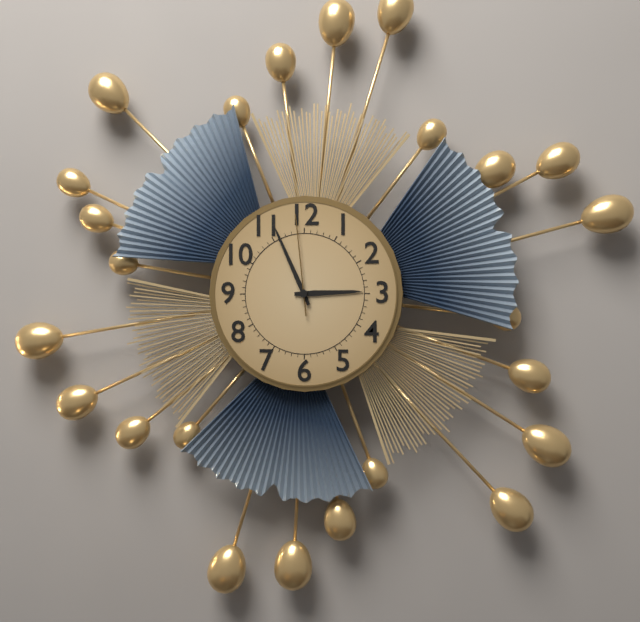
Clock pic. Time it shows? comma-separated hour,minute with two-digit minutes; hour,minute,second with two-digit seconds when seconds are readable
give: 2,56,59
